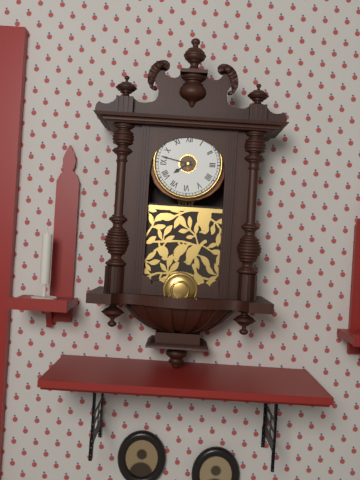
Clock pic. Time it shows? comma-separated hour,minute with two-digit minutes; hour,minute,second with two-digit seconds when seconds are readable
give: 7,47
